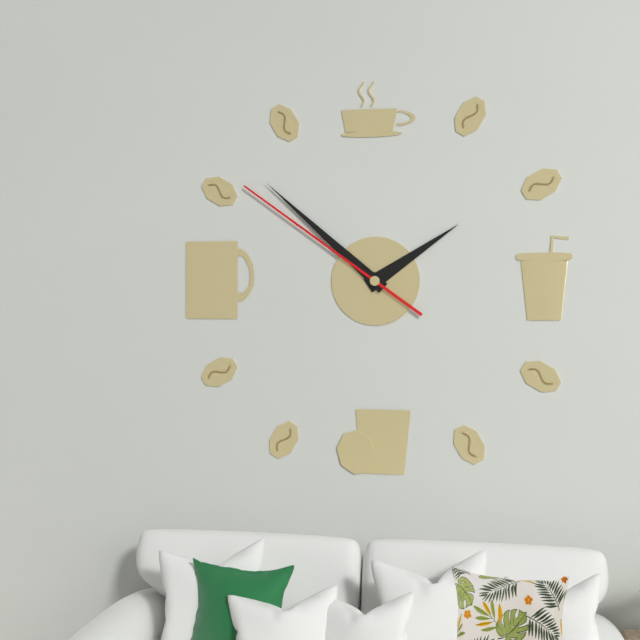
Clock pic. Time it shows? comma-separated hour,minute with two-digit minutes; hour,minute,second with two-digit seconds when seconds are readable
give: 1,52,51
